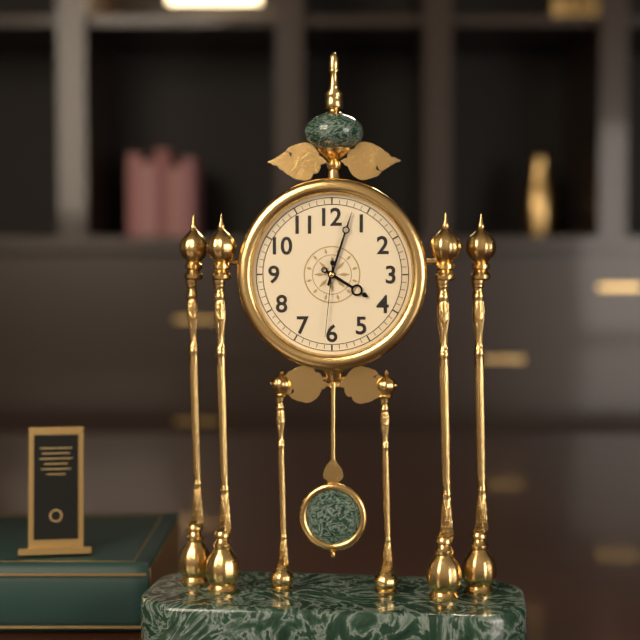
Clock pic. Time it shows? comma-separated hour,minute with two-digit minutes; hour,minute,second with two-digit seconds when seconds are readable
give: 4,03,31
